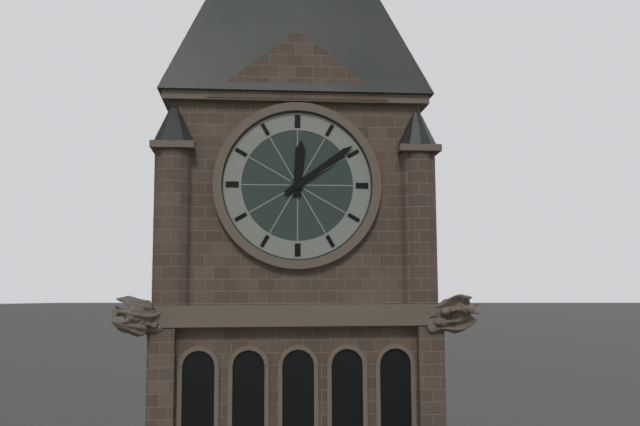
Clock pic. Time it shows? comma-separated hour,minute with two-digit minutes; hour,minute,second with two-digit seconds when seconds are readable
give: 12,09
